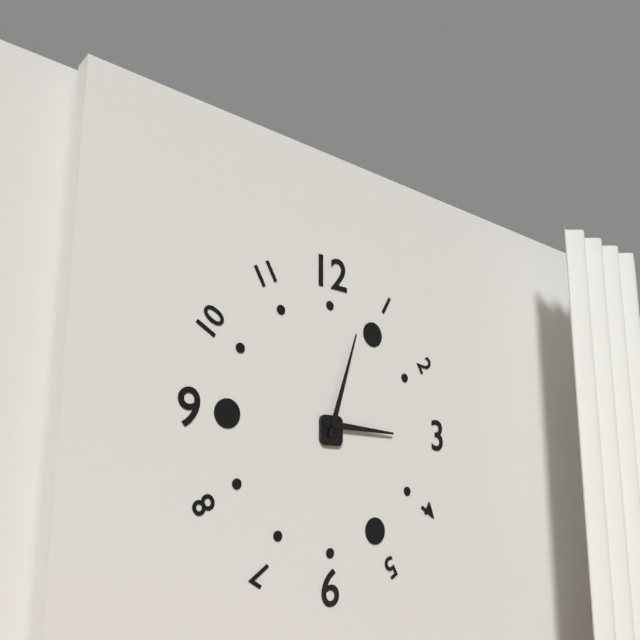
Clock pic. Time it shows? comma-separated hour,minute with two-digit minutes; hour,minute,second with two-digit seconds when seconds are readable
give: 3,03
